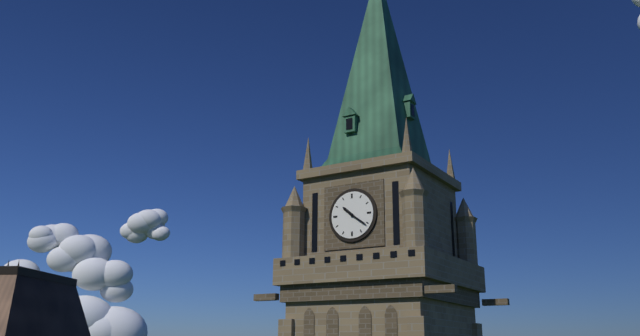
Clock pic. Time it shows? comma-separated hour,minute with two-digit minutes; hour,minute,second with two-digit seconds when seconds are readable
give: 10,21
